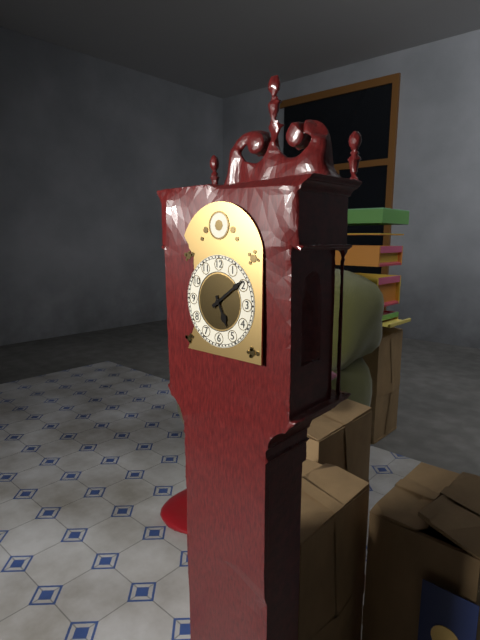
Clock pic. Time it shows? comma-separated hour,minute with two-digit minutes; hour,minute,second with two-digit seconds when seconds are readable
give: 5,09
